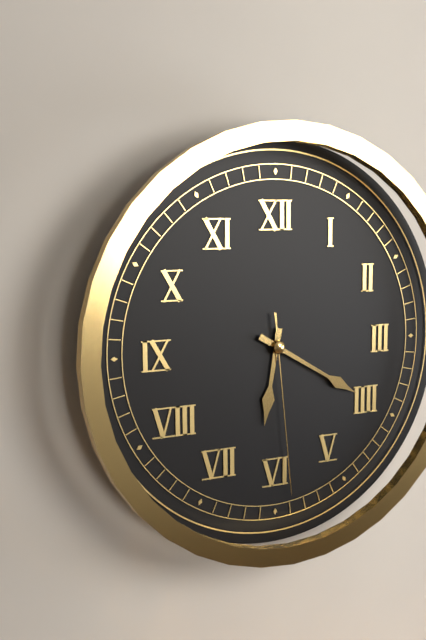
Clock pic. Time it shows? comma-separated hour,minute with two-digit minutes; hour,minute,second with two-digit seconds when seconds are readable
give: 6,20,29
